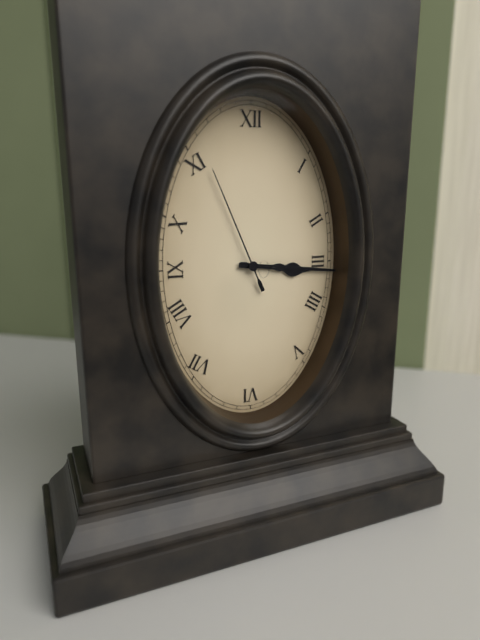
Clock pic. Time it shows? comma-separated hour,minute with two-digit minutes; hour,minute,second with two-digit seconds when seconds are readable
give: 3,16,56
